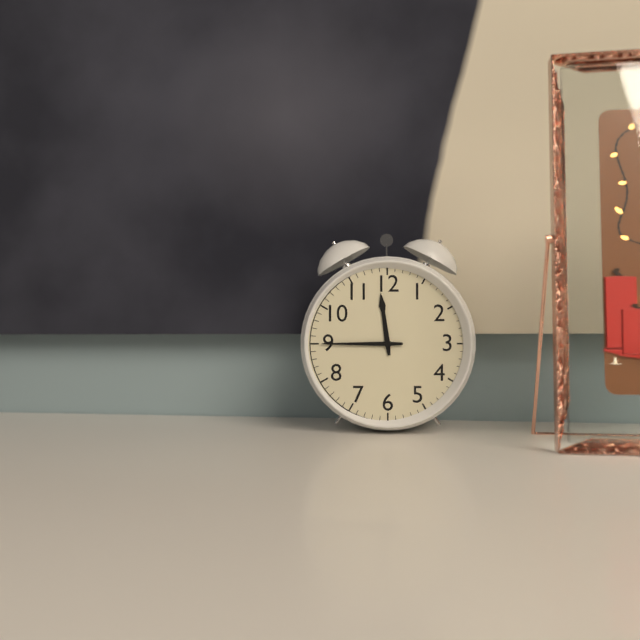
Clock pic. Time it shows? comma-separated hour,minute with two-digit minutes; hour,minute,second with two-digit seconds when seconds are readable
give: 11,45
